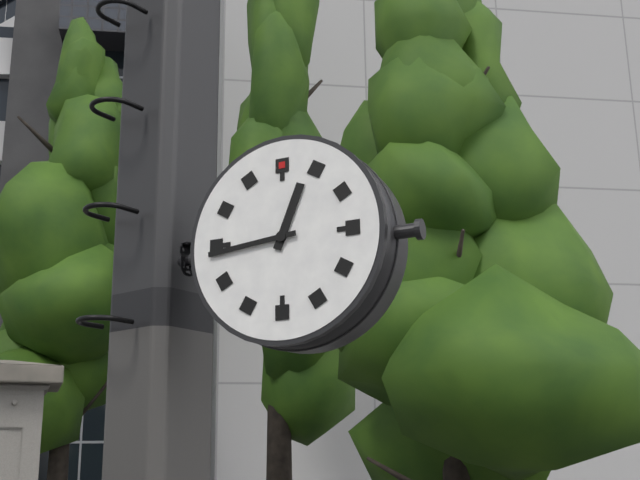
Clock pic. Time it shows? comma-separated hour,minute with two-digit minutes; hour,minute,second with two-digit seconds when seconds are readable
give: 12,44
